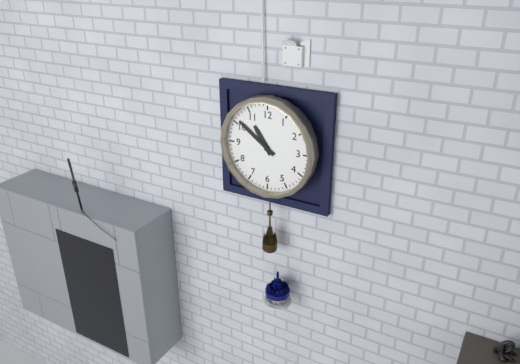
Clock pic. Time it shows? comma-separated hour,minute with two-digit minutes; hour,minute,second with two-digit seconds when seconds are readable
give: 10,51
